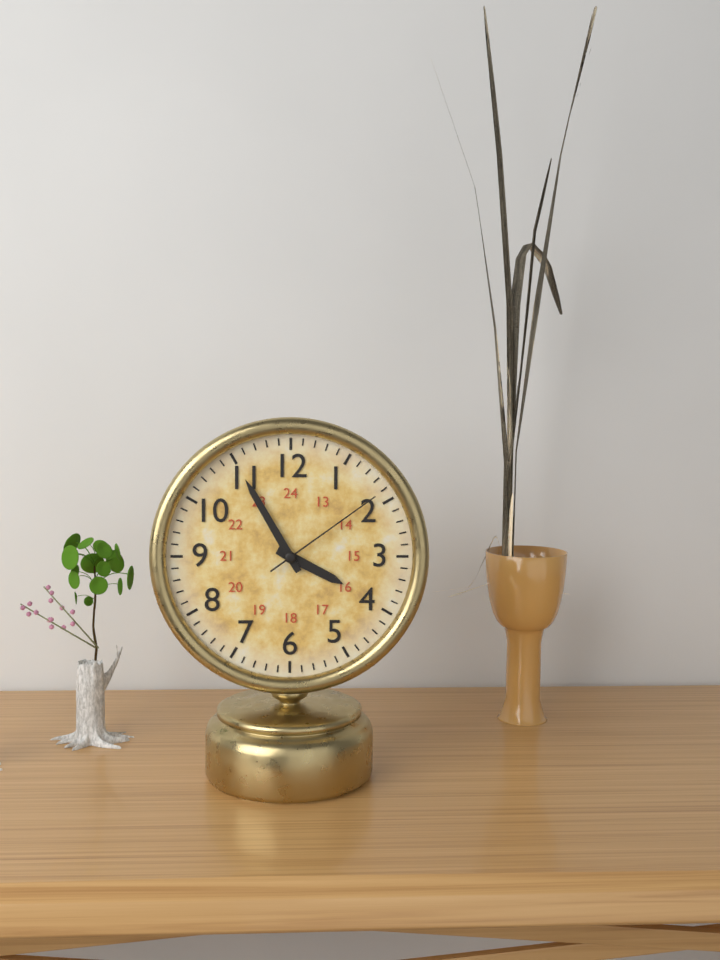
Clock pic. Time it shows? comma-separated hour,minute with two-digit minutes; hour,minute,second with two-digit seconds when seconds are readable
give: 3,55,09
